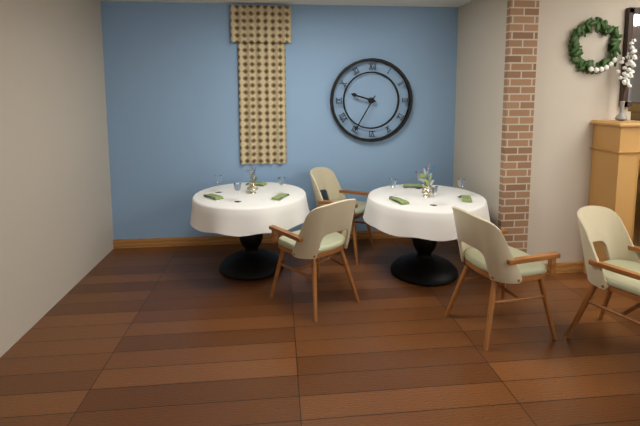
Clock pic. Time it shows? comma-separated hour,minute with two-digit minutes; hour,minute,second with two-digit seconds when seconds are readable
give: 9,35
